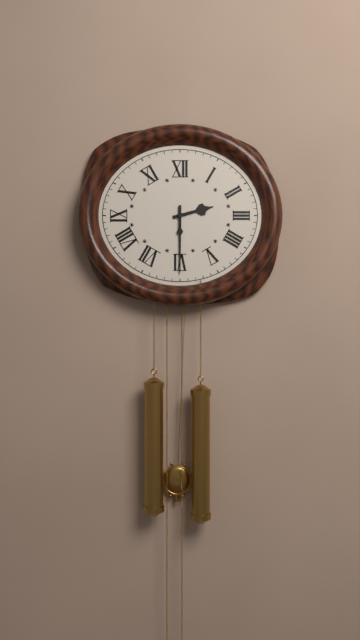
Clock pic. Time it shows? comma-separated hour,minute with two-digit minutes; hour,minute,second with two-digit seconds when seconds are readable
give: 2,30
